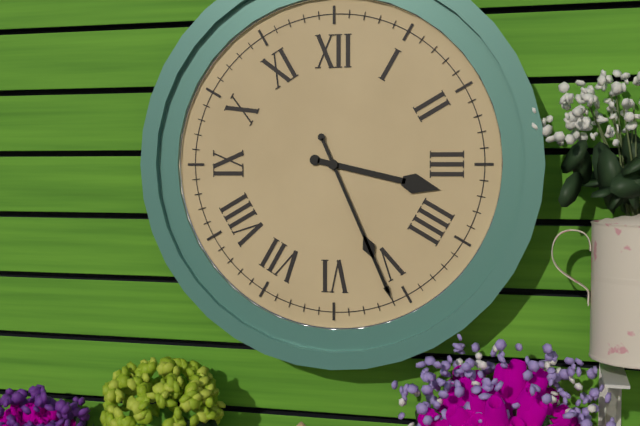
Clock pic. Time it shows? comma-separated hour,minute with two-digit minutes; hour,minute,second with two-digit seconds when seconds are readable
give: 3,26
